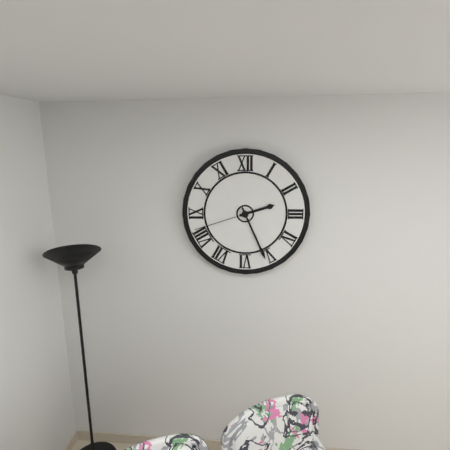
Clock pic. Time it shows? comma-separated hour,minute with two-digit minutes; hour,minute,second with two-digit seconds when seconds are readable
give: 2,26,42
